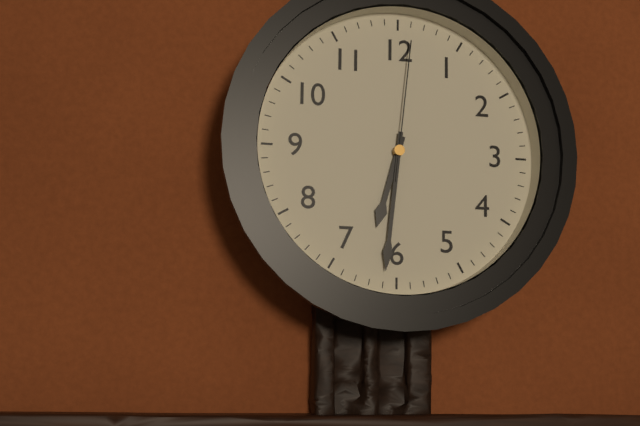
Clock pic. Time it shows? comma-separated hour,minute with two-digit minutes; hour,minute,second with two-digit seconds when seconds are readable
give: 6,31,01
